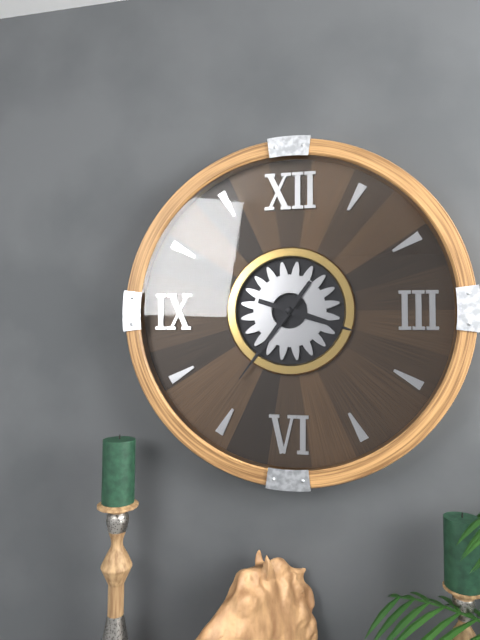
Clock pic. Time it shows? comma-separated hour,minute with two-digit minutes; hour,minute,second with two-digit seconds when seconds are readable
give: 3,36
